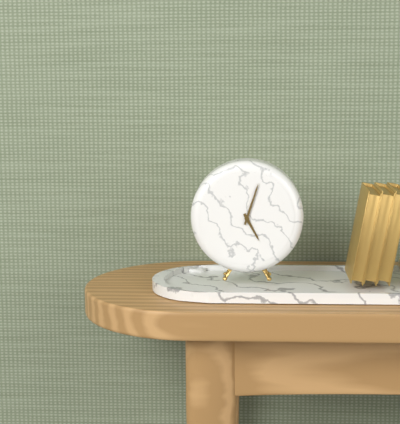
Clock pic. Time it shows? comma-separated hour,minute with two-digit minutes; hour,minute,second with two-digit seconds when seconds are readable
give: 5,03
